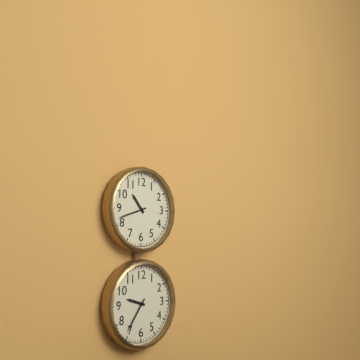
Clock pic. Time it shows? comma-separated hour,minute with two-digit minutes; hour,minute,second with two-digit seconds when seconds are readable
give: 10,42
